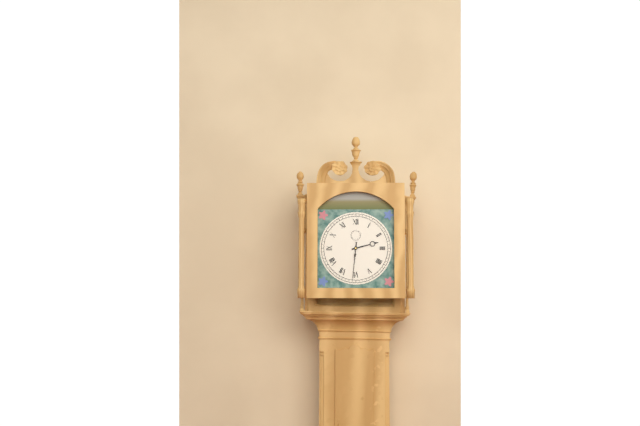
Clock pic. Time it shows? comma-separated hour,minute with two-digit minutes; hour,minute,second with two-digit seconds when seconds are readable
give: 2,31
